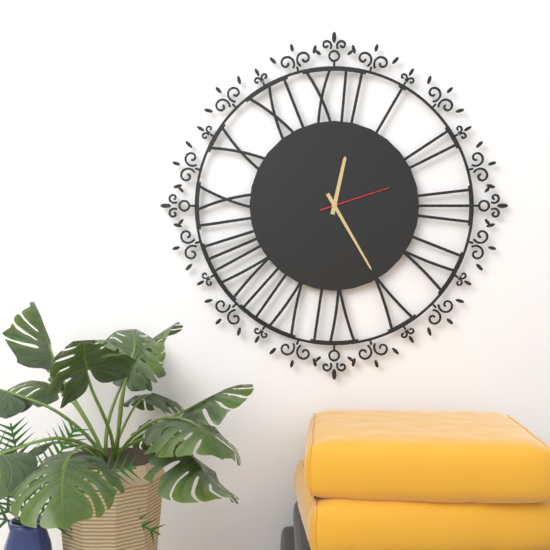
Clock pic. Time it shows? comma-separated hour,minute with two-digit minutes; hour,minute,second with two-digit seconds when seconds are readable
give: 12,25,12
